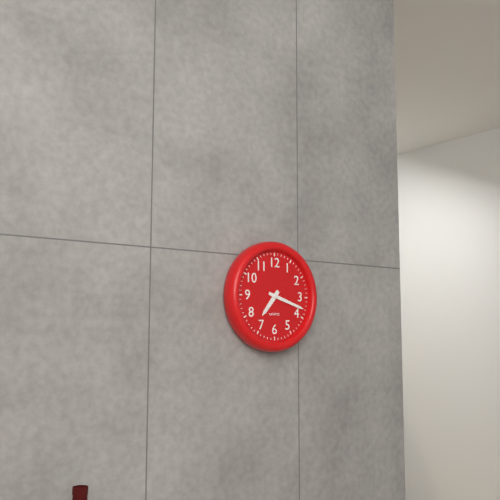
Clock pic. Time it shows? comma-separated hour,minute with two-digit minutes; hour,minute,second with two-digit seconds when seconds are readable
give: 7,18
